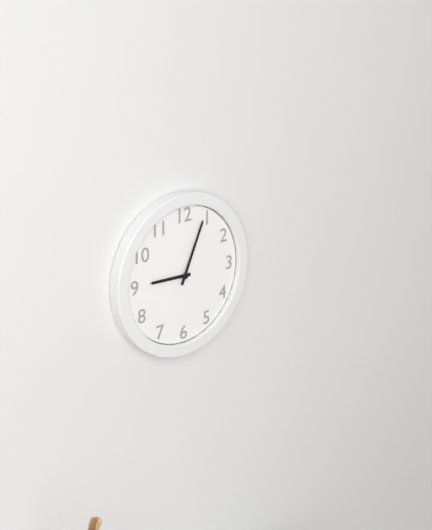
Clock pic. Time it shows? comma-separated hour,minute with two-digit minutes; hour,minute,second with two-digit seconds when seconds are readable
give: 9,04
